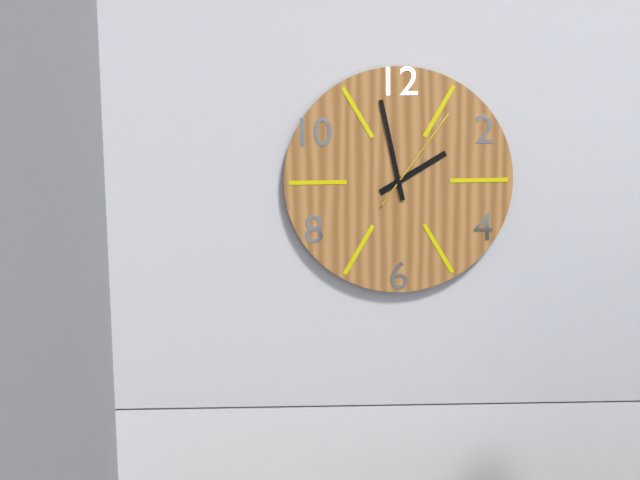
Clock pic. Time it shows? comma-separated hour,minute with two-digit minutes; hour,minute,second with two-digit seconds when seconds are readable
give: 1,58,06
